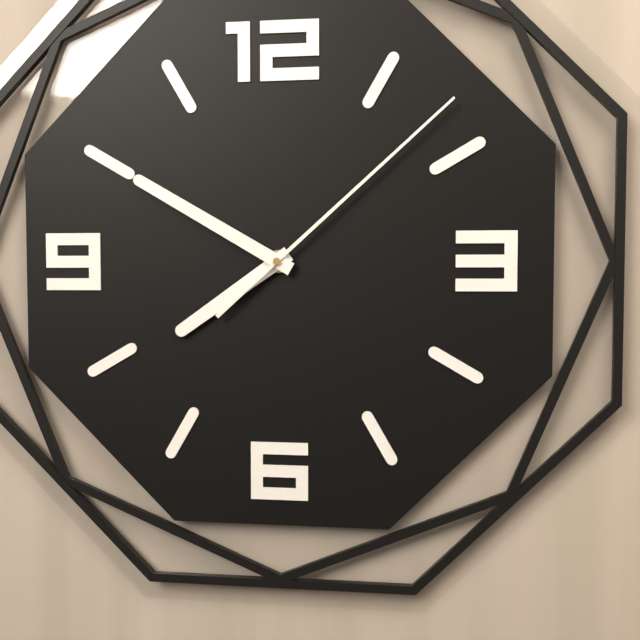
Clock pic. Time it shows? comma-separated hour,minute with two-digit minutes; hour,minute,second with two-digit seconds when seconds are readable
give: 7,50,08
